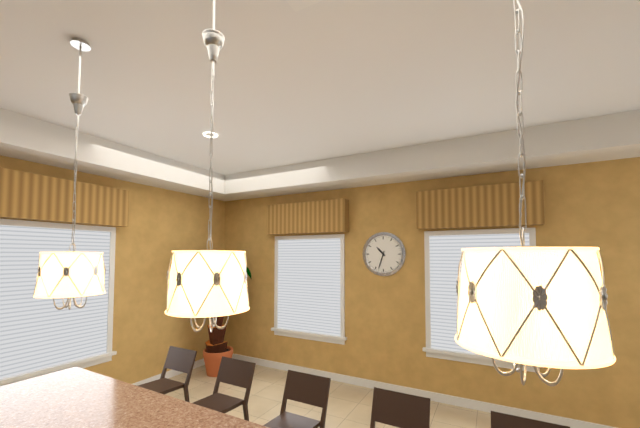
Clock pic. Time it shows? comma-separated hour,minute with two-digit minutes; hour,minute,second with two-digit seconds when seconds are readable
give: 10,33
